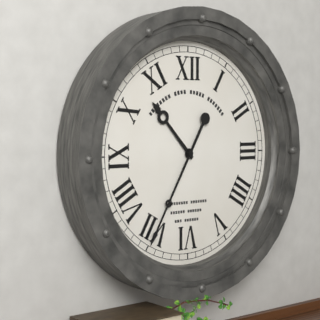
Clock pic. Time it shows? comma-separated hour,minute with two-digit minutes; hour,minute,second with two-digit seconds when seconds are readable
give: 10,35
